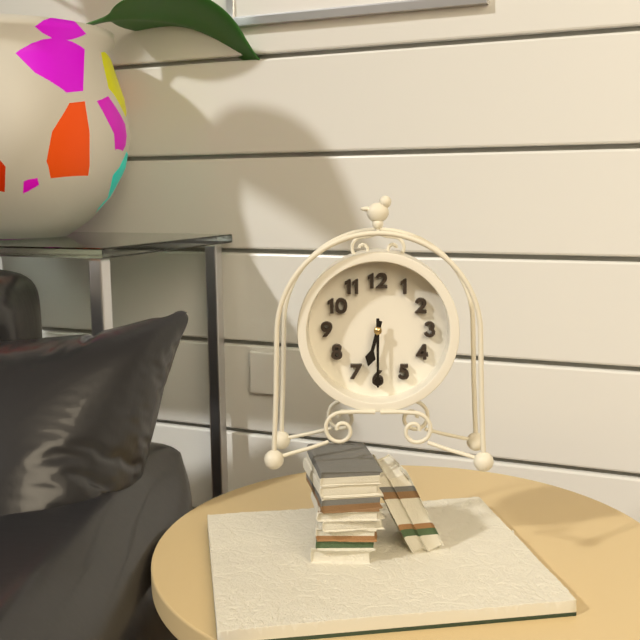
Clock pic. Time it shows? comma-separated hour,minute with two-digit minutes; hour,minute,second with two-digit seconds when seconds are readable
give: 6,30
